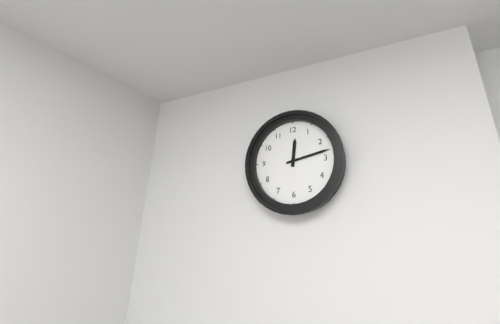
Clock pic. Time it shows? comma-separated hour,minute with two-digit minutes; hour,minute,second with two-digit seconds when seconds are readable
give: 12,13
